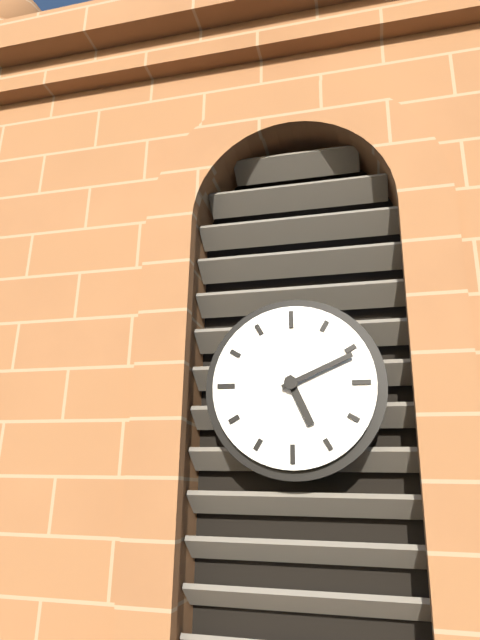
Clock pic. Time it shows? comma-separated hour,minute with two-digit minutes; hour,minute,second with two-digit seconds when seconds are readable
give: 5,11
